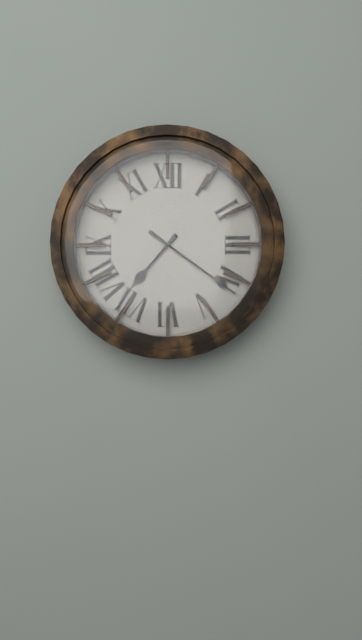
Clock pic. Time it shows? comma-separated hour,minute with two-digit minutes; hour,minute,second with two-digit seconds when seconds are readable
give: 7,21
